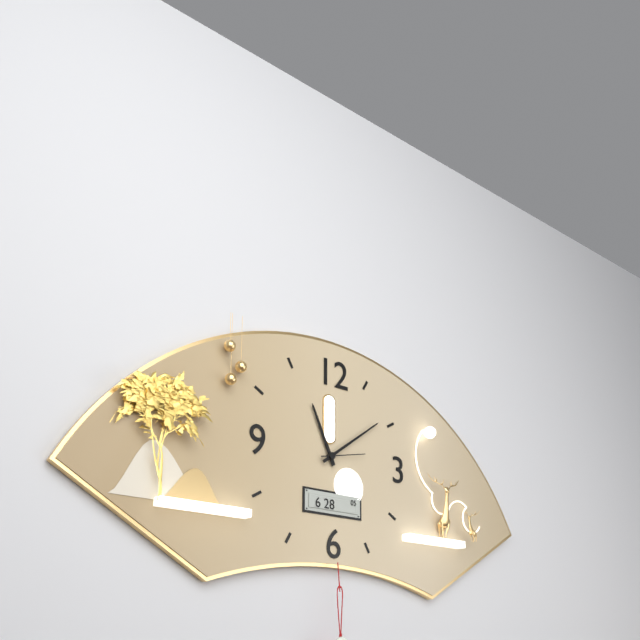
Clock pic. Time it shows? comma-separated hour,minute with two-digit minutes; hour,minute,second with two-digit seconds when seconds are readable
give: 11,09
